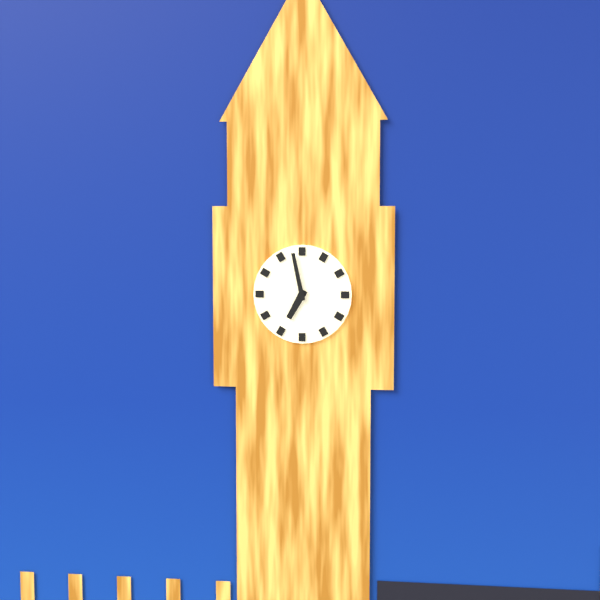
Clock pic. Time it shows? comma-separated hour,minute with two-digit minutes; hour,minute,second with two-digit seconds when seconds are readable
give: 6,58
